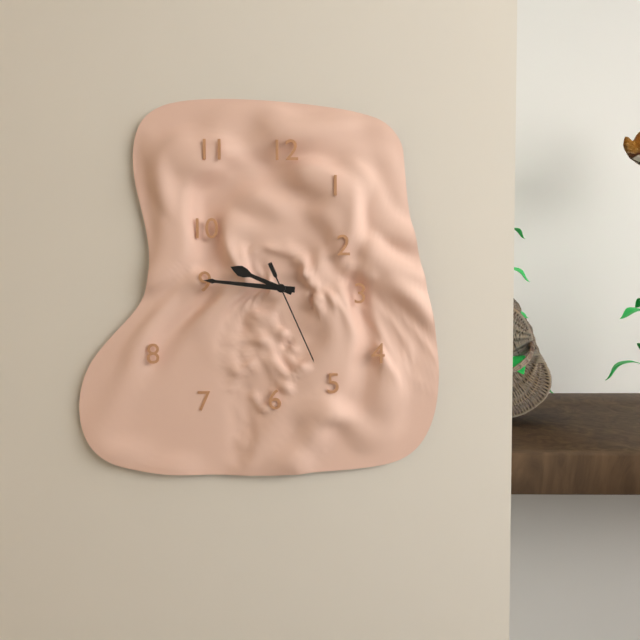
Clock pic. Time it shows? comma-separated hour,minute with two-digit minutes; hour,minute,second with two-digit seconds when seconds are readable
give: 9,46,26
